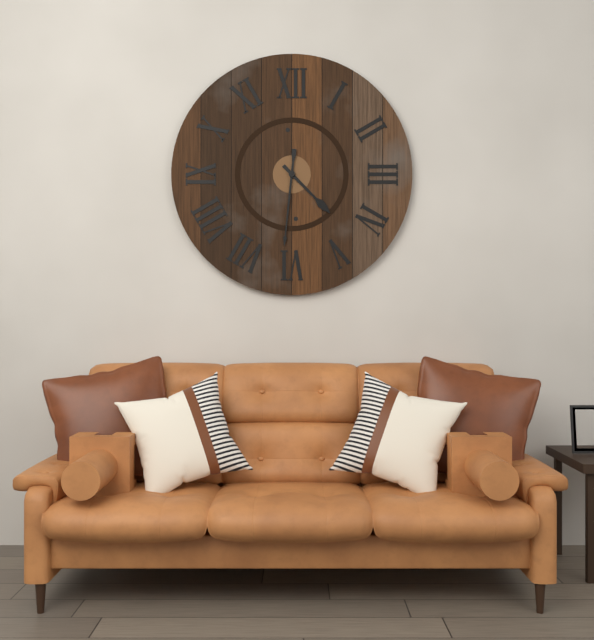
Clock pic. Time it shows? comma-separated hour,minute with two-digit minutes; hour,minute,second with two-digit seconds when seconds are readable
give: 4,31
